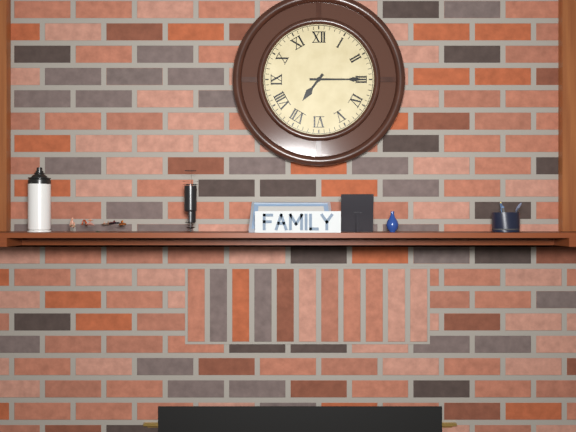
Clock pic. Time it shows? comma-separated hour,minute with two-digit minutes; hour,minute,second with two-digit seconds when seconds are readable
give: 7,15
